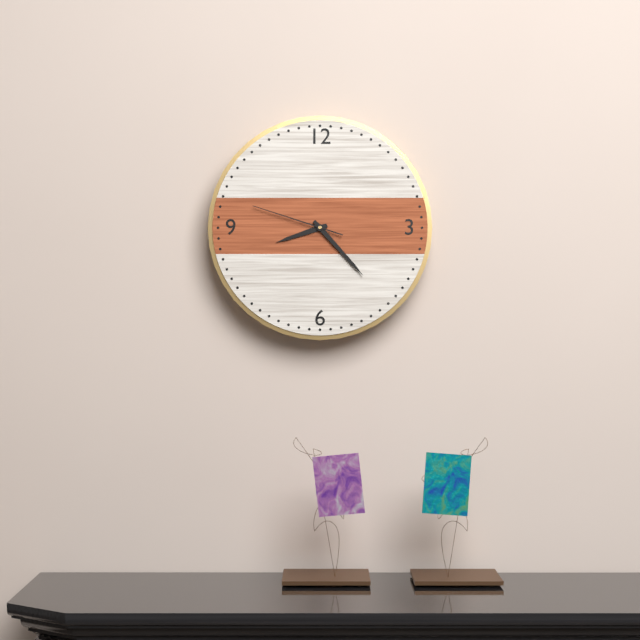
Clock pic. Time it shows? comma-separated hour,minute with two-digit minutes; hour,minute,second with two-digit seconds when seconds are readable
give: 8,23,48
